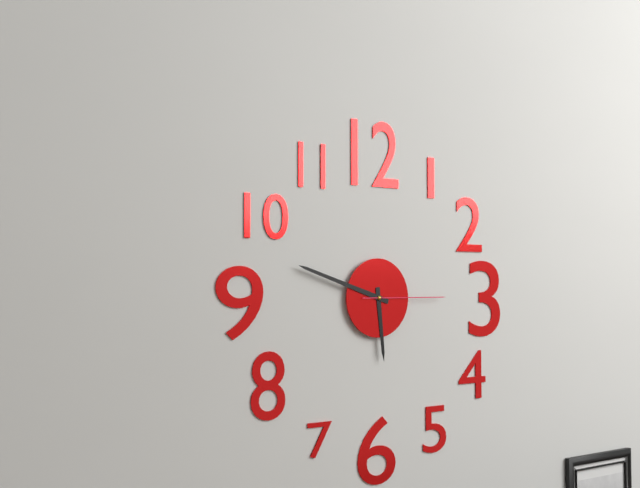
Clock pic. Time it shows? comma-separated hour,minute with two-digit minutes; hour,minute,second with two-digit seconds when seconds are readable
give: 5,48,15
